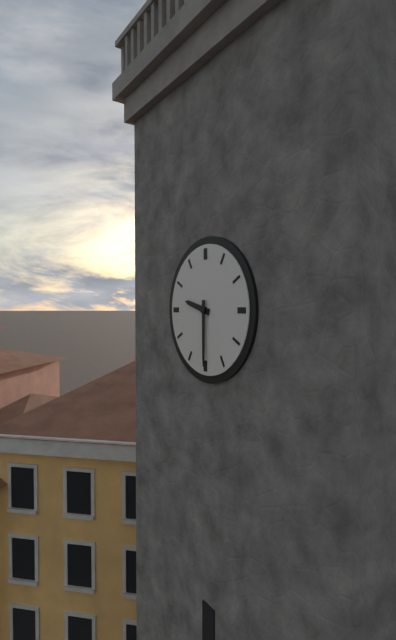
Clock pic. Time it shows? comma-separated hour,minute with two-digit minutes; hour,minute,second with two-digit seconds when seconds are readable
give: 9,30
